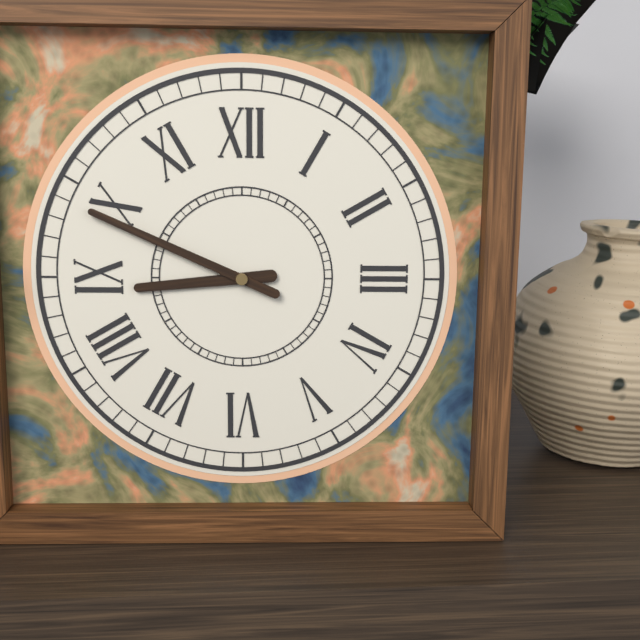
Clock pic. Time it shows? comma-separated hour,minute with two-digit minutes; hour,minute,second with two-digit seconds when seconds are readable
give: 8,49
